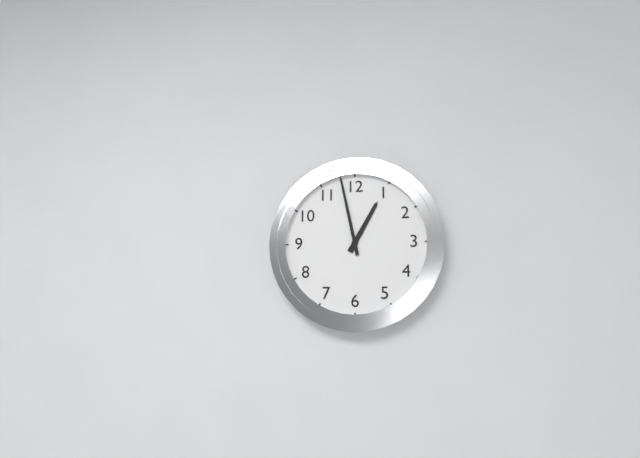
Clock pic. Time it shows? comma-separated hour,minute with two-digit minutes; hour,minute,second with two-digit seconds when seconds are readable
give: 12,58
